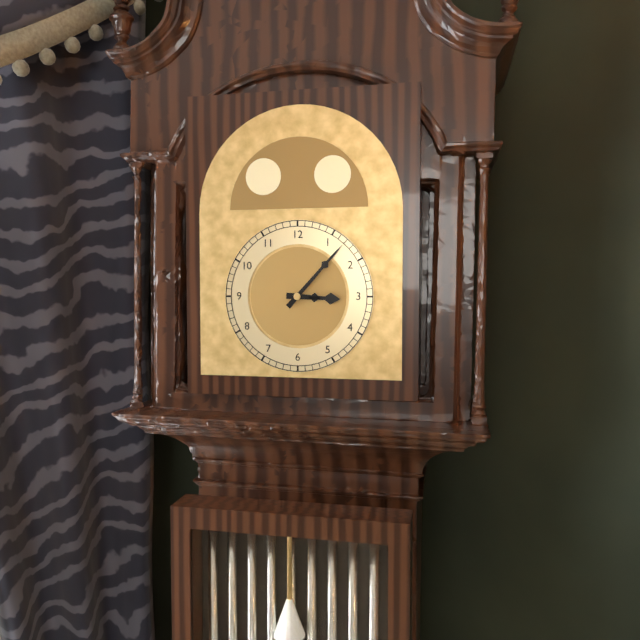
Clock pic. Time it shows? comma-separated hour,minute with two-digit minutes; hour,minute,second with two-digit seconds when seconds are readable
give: 3,07
